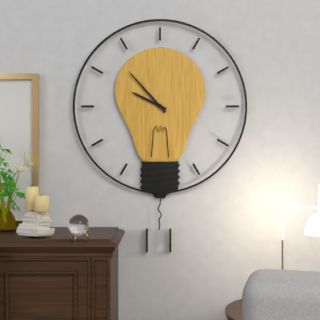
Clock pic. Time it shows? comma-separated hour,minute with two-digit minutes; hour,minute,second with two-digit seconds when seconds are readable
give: 9,53
